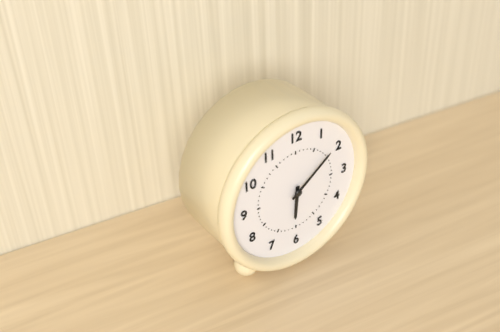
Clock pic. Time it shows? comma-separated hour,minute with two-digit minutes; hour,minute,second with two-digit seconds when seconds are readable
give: 6,09
